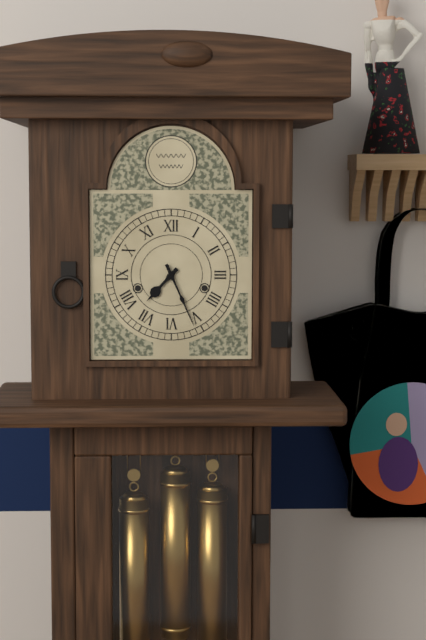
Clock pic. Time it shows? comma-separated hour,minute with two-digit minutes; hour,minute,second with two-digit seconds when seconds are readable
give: 7,26
